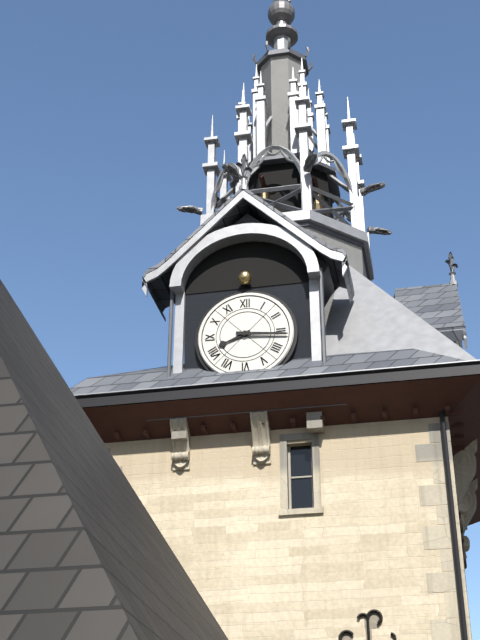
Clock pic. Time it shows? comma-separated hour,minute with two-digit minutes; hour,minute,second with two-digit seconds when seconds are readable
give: 8,16
